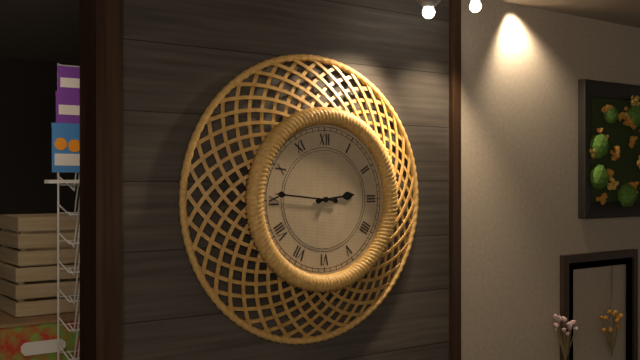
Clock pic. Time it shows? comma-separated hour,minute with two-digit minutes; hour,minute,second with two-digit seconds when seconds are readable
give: 2,46
